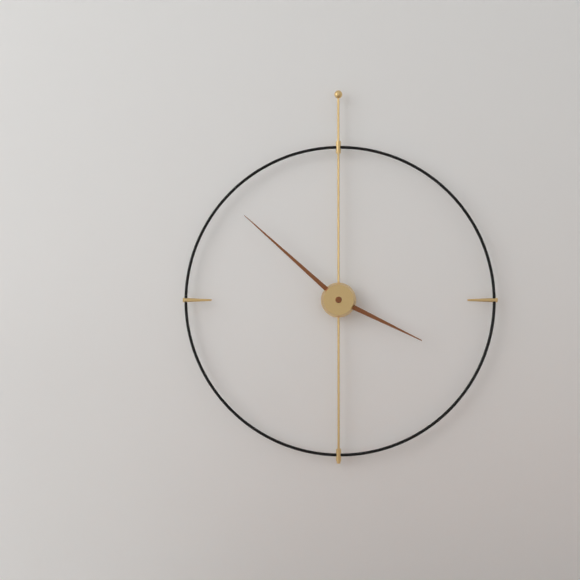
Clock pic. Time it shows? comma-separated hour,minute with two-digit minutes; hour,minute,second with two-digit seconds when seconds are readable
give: 3,52
